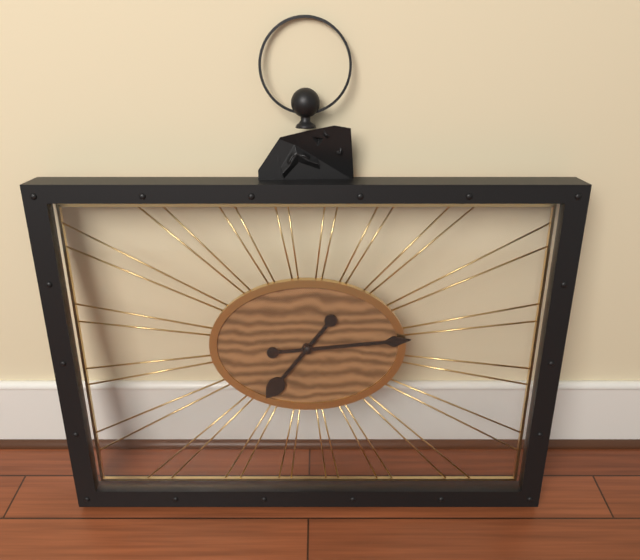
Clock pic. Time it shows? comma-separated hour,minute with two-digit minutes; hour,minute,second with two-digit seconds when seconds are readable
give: 7,14
